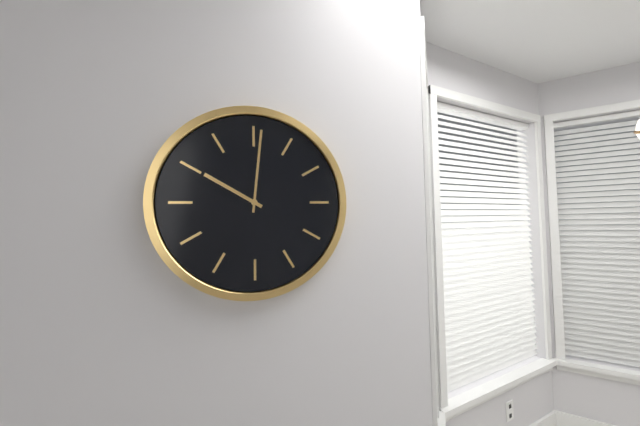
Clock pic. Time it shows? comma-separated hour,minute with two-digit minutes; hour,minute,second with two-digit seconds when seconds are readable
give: 10,01
